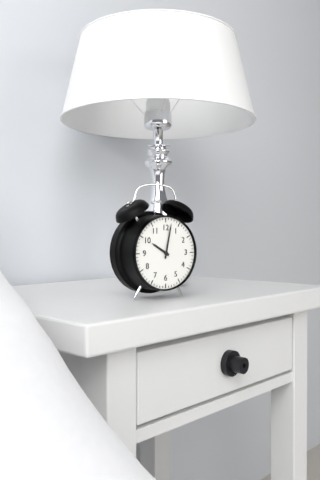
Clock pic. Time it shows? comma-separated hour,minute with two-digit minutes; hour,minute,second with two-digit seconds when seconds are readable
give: 10,02
